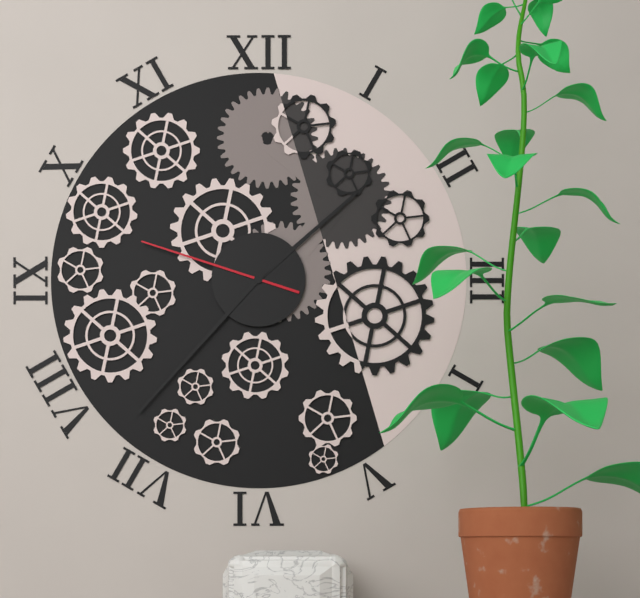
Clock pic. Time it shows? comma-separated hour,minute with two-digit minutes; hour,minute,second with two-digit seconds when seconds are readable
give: 1,37,48
